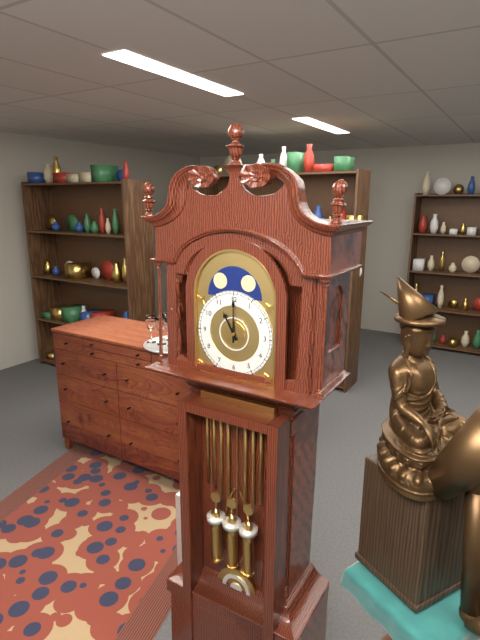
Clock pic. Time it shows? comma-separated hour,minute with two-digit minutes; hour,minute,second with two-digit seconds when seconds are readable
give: 11,00
